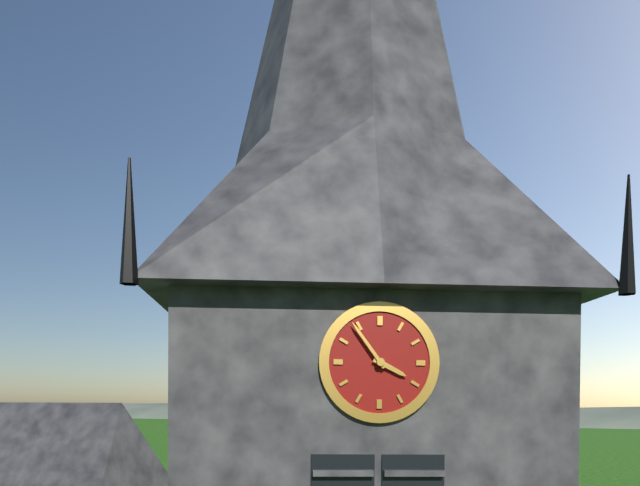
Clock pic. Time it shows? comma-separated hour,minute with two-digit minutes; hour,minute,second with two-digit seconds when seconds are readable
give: 3,54
